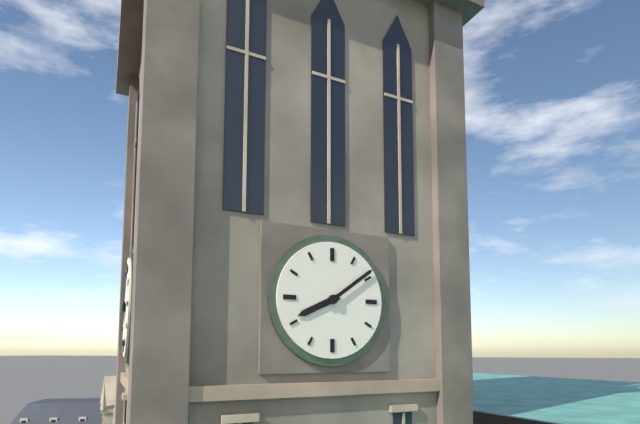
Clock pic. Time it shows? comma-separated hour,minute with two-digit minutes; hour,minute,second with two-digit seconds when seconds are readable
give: 8,09
